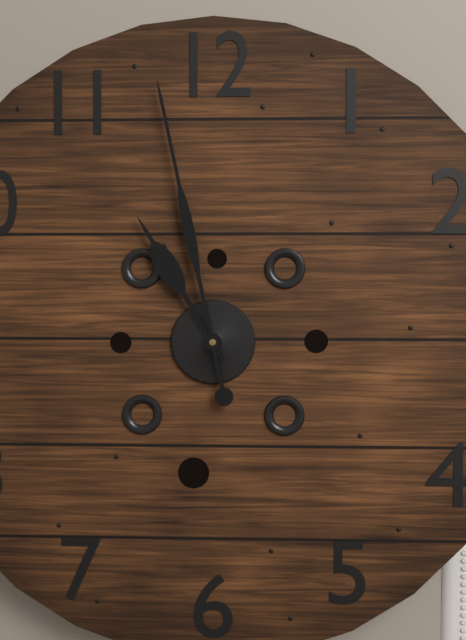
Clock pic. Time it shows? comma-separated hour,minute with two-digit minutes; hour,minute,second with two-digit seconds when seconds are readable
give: 10,58
